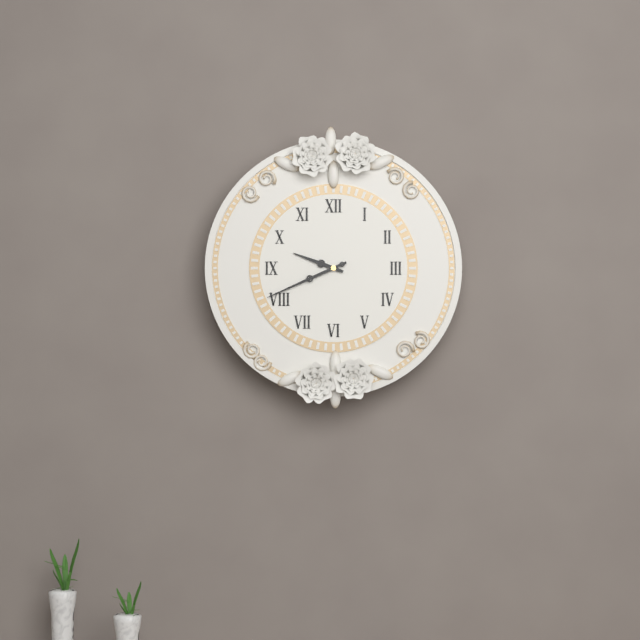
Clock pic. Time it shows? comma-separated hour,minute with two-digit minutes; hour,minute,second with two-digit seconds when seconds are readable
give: 9,41
